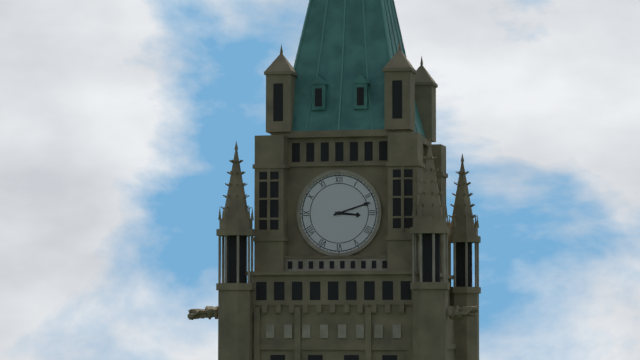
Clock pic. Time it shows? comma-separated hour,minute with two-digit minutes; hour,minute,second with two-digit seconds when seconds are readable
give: 3,12
